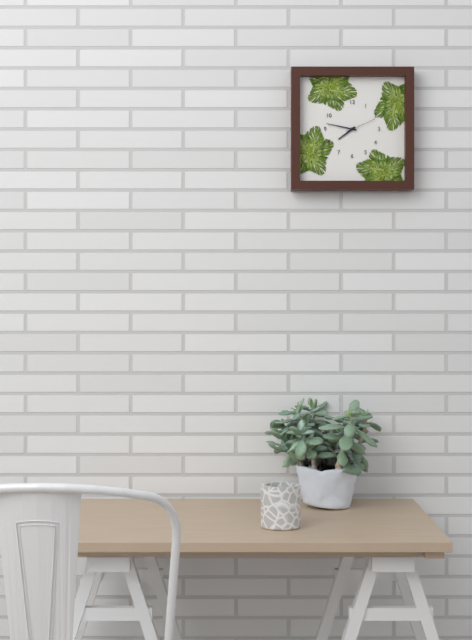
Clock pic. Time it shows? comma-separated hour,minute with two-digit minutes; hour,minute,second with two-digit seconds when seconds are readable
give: 7,47
